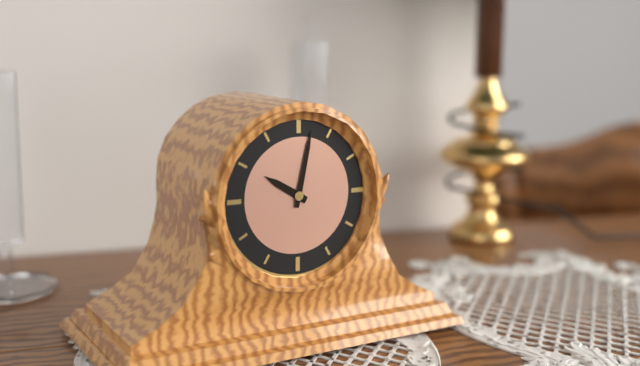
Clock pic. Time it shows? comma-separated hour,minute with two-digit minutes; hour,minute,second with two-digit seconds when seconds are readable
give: 10,02
